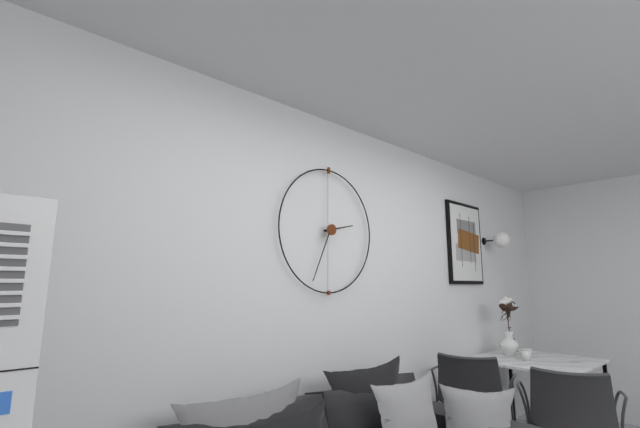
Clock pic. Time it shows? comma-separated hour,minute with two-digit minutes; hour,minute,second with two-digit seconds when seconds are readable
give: 2,34
